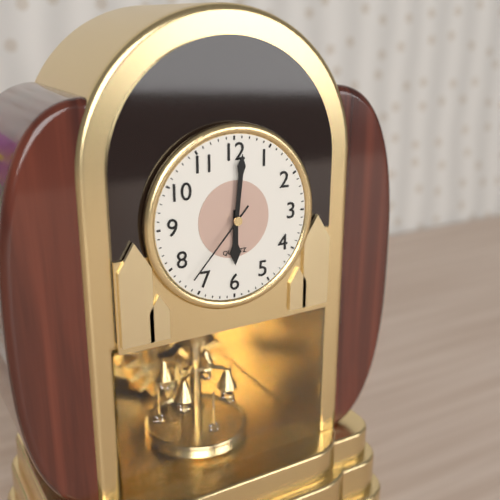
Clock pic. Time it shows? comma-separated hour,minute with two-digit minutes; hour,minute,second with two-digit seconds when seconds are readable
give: 6,01,37
